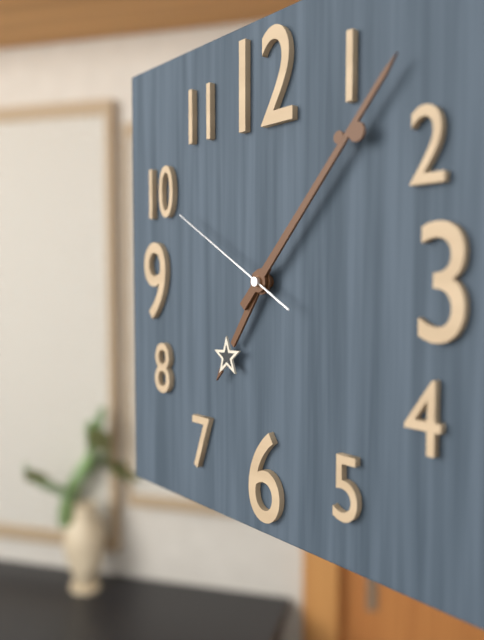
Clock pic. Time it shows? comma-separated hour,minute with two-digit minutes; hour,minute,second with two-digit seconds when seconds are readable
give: 7,07,50
